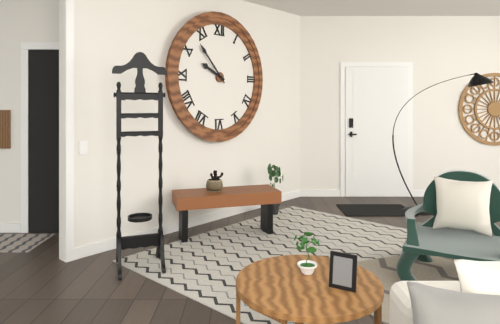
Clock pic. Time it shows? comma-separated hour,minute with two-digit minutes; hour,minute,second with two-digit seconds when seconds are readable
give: 9,53
